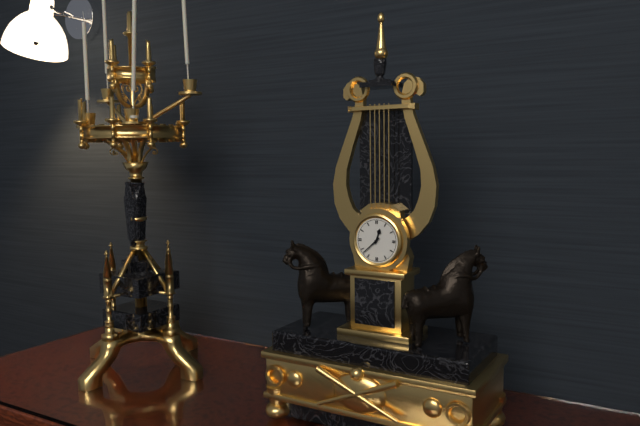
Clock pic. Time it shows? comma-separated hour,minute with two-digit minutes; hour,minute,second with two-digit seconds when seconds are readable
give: 12,38
